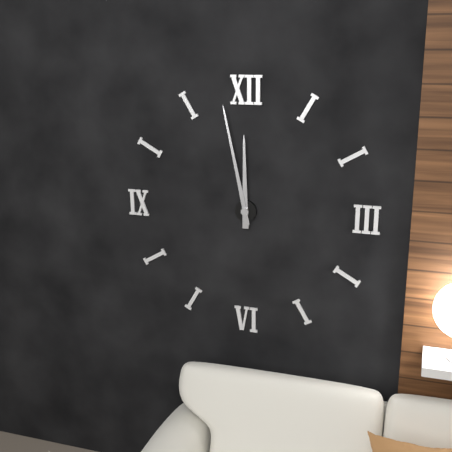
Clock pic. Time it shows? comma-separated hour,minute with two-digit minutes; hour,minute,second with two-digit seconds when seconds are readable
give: 11,58
